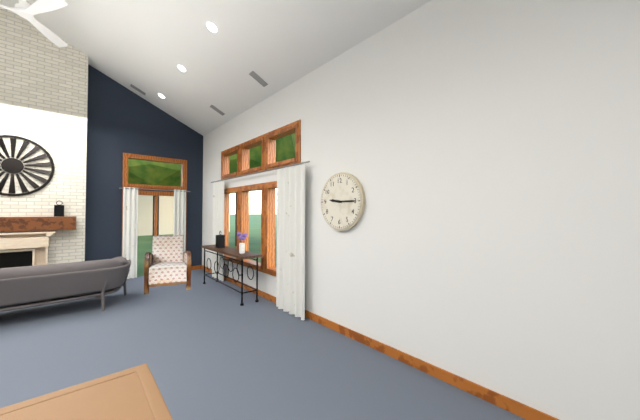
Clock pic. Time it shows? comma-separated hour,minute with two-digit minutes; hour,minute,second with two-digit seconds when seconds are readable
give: 9,15
